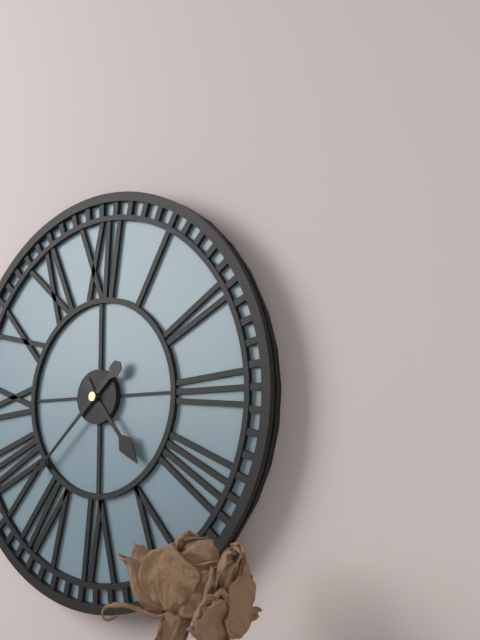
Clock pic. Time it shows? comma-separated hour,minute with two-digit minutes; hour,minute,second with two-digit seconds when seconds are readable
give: 4,38
